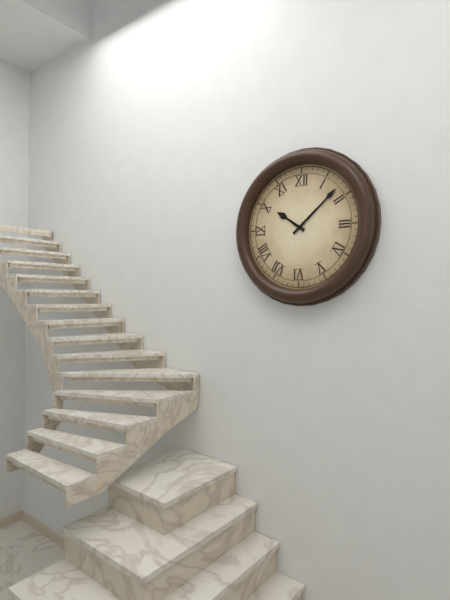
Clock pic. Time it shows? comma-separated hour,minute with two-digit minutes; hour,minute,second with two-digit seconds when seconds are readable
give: 10,08
